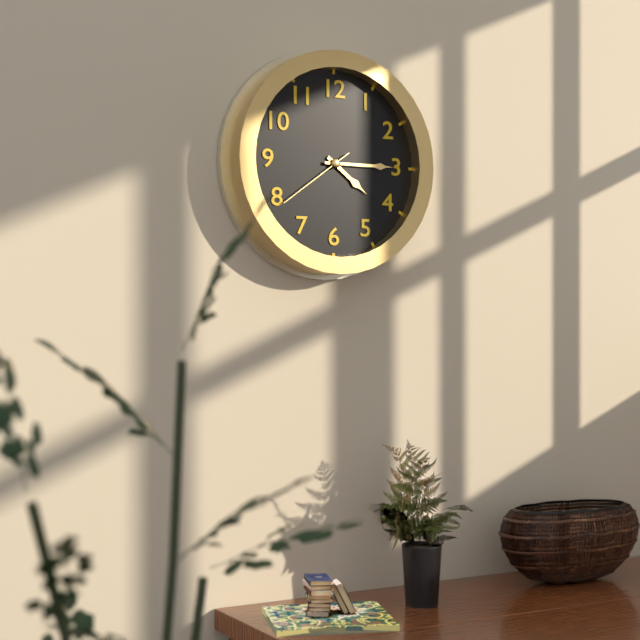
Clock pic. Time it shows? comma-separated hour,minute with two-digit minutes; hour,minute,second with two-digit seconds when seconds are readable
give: 4,15,39
